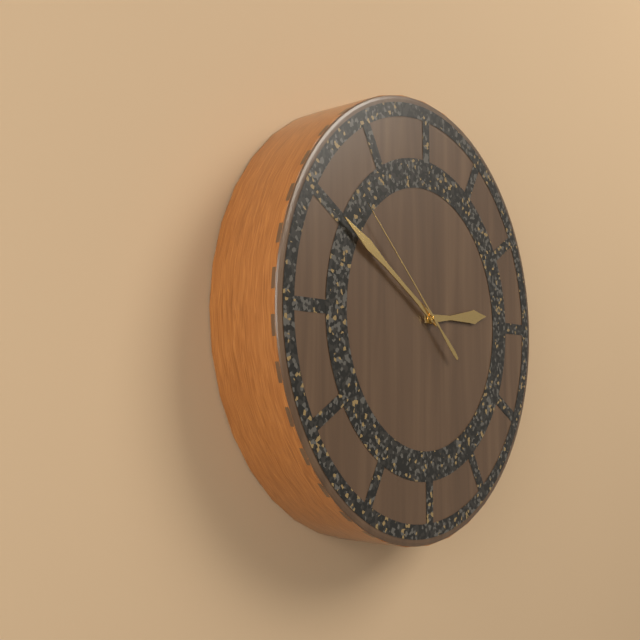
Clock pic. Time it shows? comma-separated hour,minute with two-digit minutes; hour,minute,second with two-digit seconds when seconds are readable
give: 2,50,52
